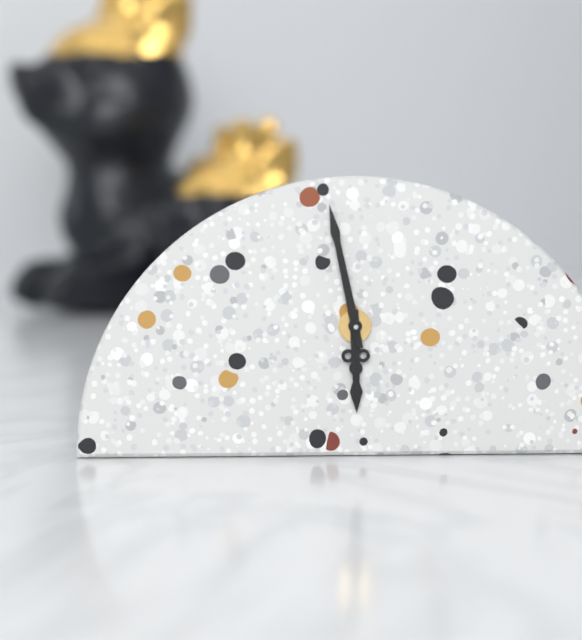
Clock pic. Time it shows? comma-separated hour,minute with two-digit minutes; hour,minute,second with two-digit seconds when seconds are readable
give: 5,58
